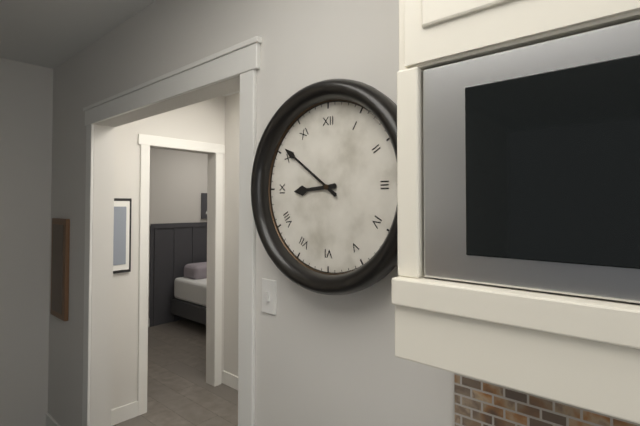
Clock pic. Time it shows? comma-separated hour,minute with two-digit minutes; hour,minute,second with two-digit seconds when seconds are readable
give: 8,51
